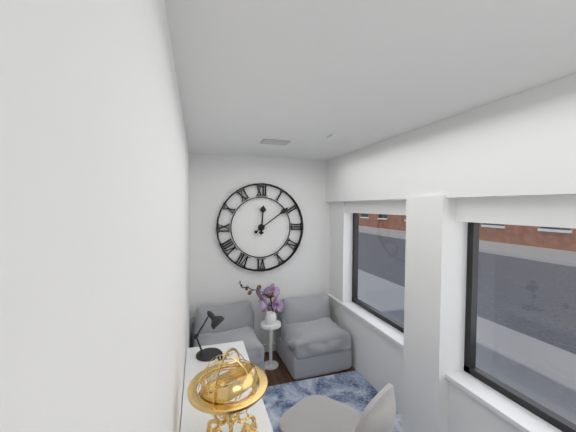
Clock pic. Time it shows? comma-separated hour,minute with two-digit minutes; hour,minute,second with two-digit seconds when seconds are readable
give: 12,09
